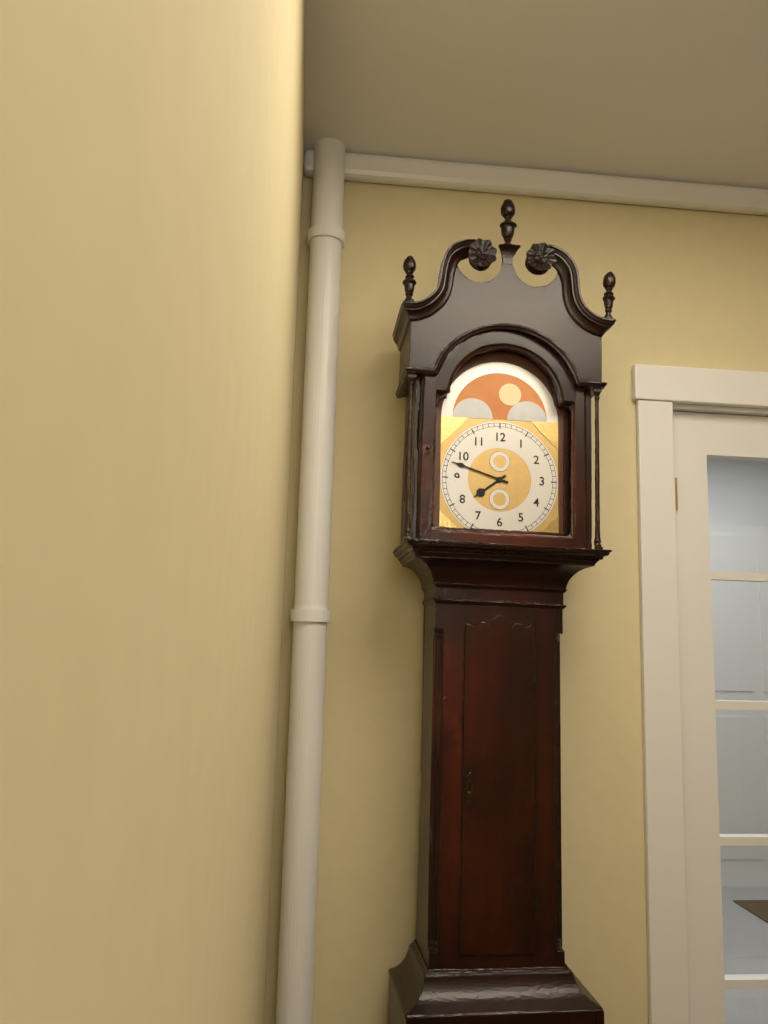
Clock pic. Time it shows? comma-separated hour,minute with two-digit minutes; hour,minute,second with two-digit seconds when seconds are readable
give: 7,48
